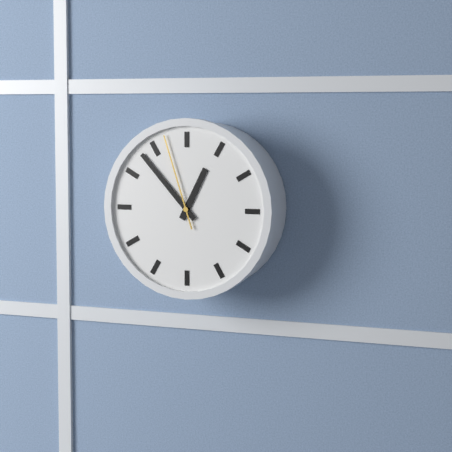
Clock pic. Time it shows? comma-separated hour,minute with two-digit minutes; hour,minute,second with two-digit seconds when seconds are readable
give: 12,53,57
